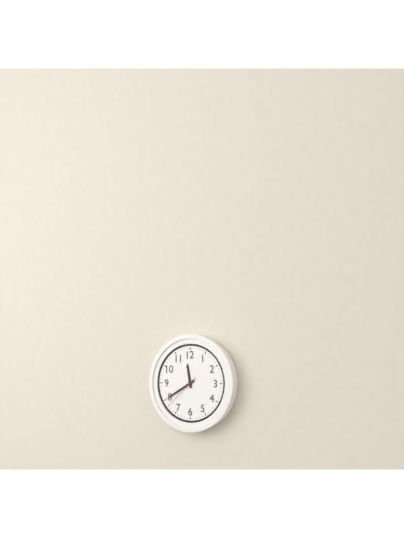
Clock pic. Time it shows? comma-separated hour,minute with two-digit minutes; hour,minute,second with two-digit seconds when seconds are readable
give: 11,40
